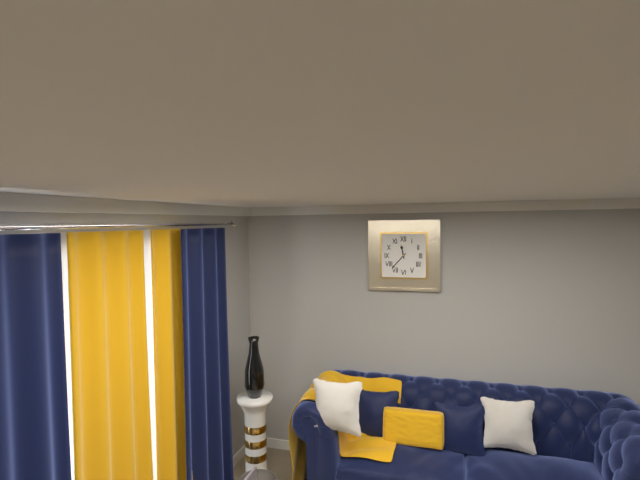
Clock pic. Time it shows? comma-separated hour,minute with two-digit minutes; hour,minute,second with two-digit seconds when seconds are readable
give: 11,37
